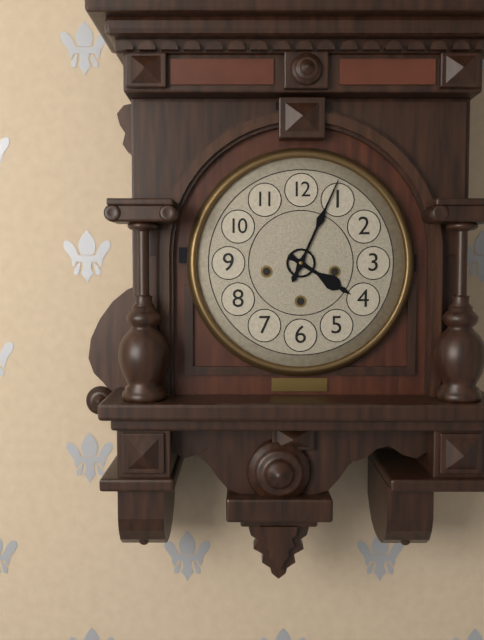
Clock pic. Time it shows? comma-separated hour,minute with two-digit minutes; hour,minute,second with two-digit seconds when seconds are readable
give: 4,04
